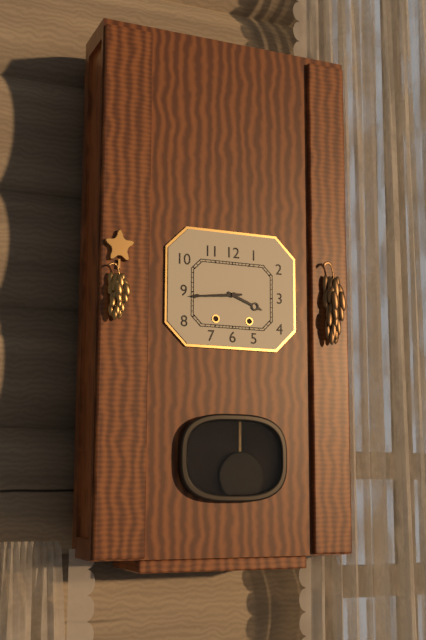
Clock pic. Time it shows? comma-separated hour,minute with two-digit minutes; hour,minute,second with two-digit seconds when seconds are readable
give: 3,44
